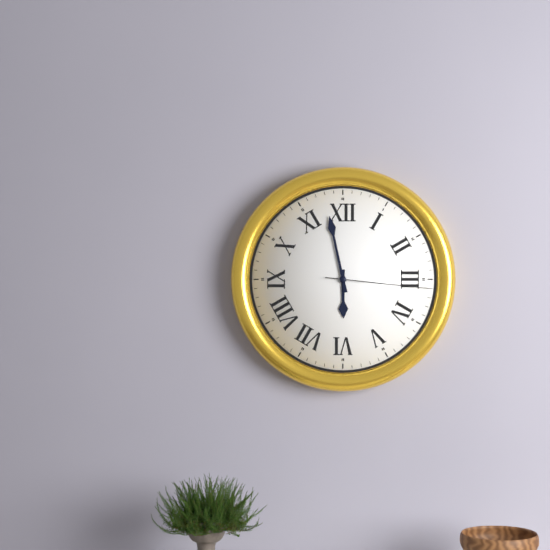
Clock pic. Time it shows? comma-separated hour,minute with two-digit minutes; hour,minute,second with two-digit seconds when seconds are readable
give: 5,58,16
